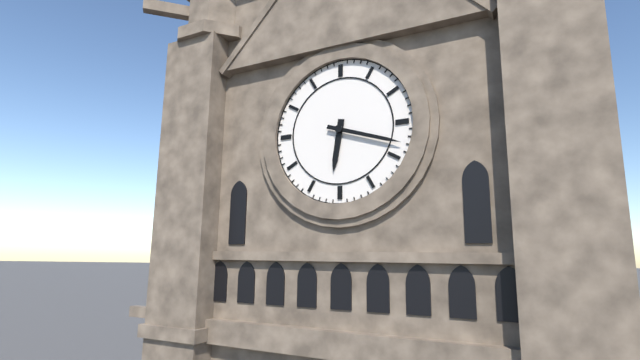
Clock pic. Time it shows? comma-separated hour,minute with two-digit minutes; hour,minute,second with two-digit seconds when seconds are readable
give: 6,18
